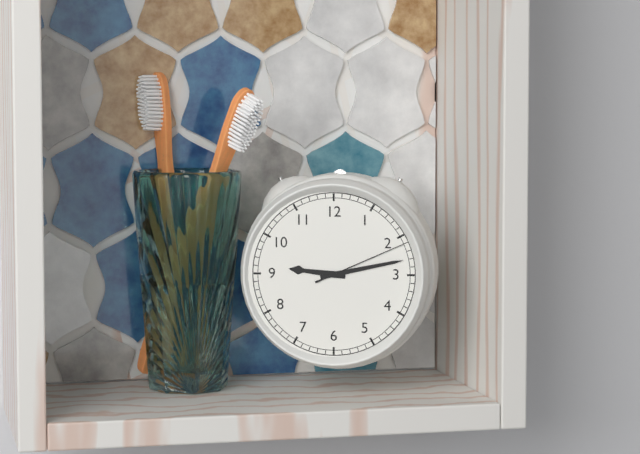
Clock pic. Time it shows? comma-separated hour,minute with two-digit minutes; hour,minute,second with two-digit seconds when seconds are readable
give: 9,13,11
